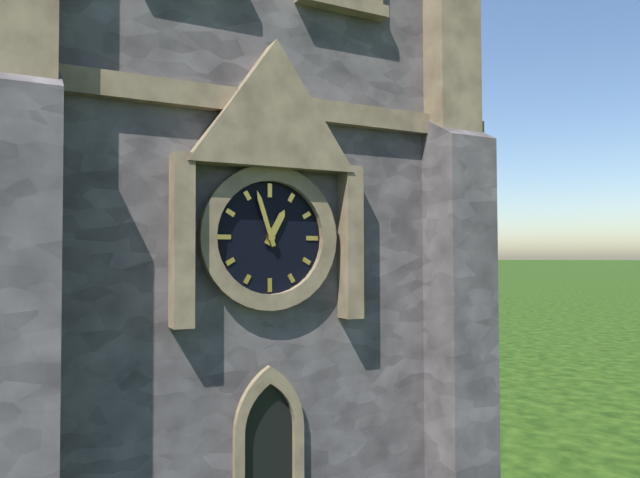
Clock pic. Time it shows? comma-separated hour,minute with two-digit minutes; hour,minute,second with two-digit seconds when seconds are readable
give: 12,57
